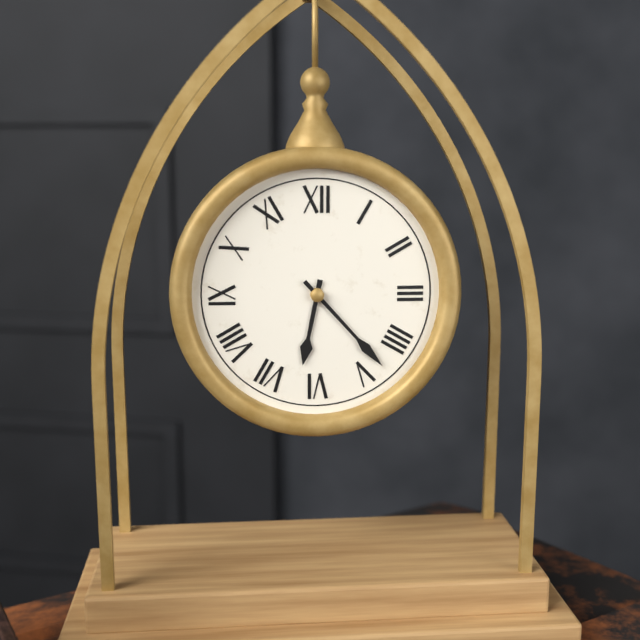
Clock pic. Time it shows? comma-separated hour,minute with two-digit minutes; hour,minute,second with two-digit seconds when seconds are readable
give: 6,23
